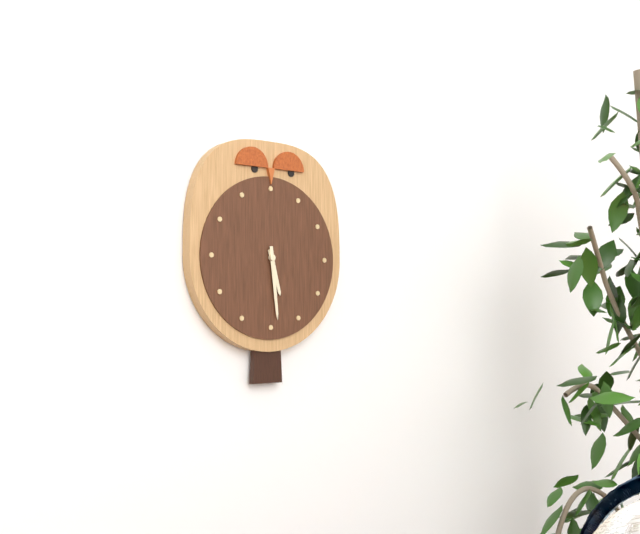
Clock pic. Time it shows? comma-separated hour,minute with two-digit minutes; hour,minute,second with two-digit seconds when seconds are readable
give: 5,29
